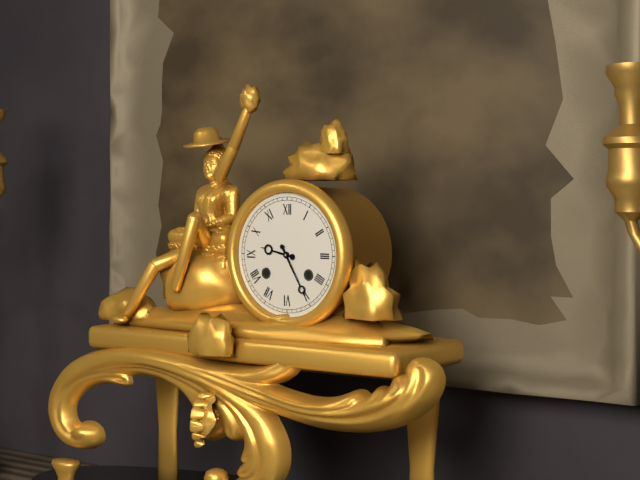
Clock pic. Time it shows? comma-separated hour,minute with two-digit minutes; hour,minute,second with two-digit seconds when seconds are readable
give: 9,25
